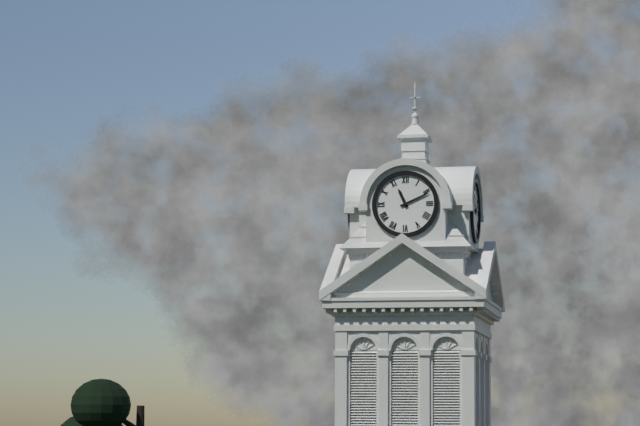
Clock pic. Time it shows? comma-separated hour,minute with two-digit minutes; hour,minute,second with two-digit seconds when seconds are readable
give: 11,11
